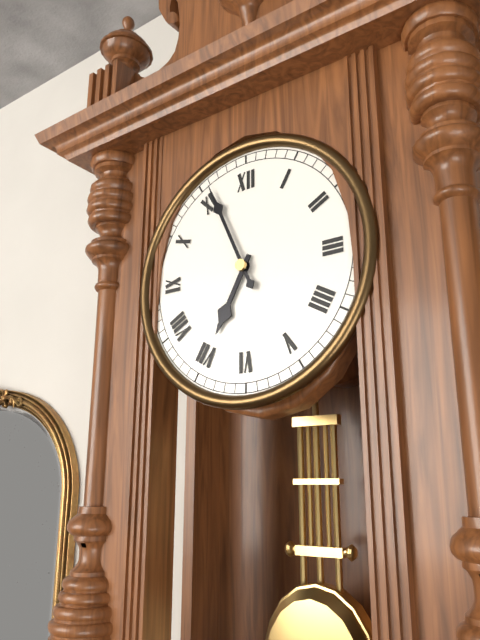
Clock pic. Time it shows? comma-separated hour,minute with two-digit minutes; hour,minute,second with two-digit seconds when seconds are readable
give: 6,56
